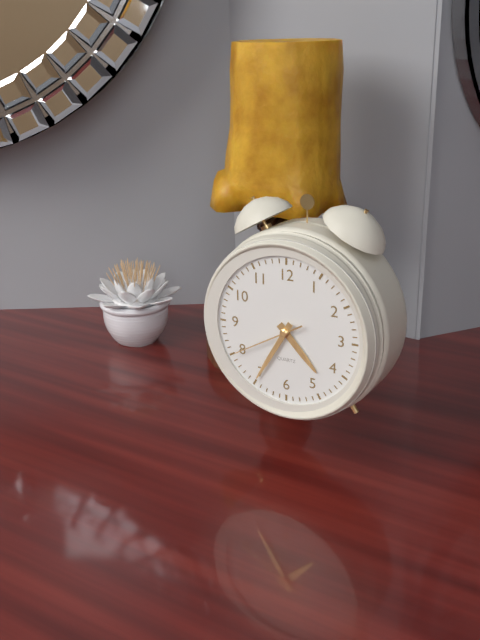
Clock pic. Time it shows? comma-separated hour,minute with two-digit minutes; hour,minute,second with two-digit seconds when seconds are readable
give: 4,35,40
